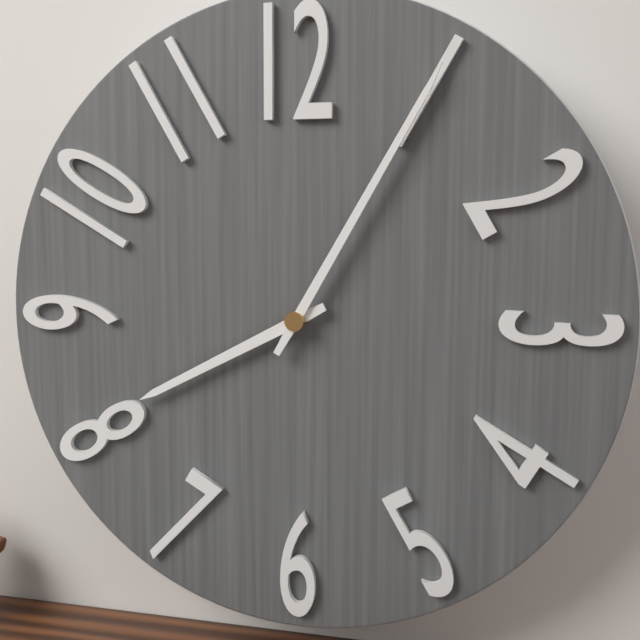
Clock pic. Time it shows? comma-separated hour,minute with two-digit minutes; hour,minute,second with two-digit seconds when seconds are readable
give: 8,05
